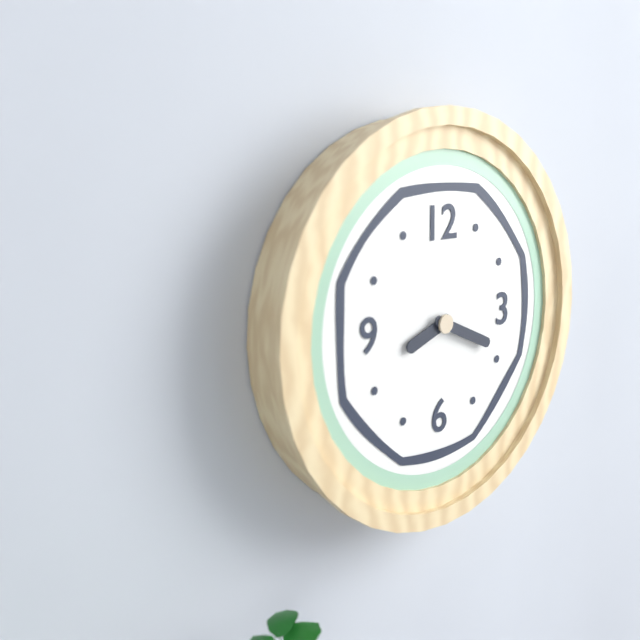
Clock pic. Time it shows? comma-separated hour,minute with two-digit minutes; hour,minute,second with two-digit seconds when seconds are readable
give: 8,19
